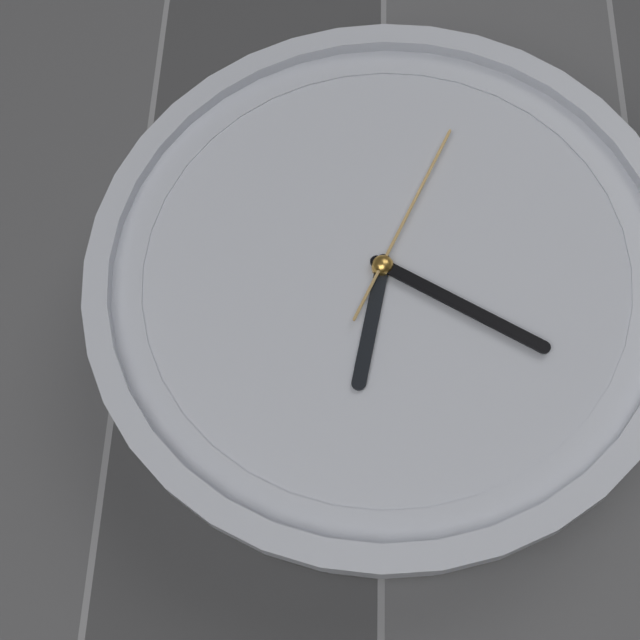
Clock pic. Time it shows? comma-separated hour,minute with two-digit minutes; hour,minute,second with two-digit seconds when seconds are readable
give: 6,20,04
